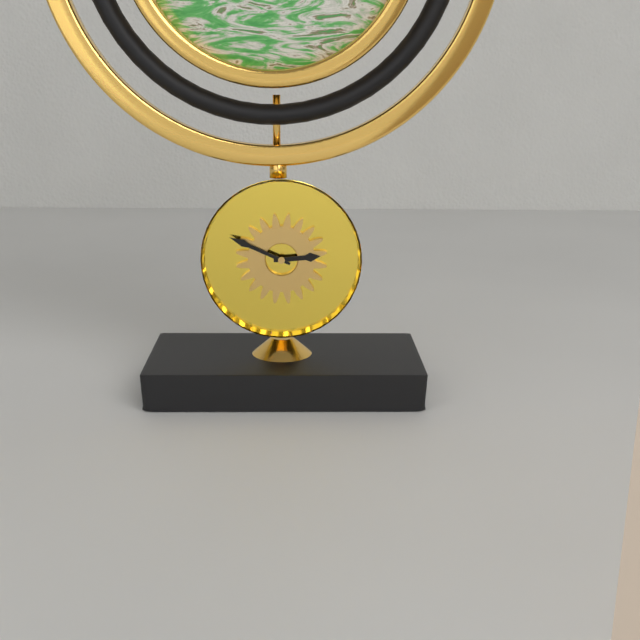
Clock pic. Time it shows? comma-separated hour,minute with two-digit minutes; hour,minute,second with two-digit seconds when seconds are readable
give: 2,49
